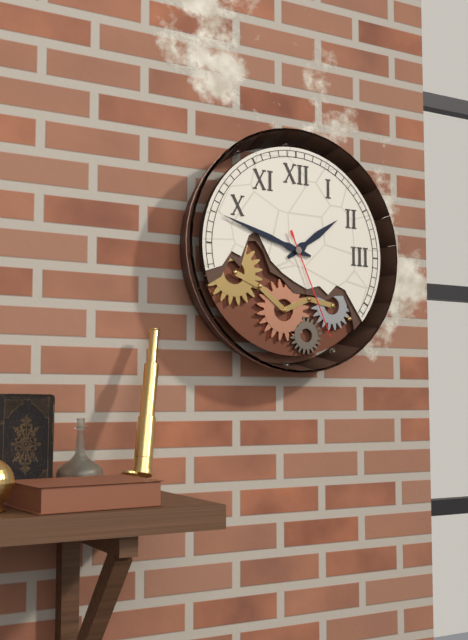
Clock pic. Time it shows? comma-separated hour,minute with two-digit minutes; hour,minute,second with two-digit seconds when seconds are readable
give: 1,48,26
